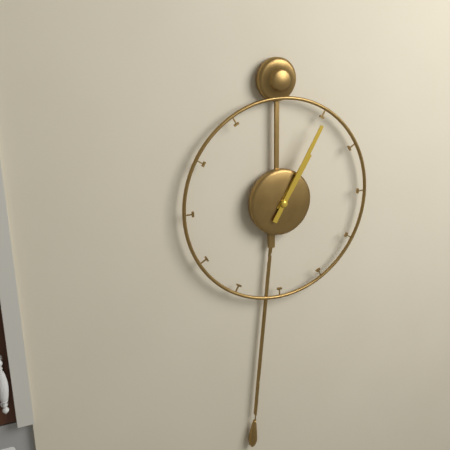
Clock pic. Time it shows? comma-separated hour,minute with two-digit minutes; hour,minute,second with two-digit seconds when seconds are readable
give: 1,05
